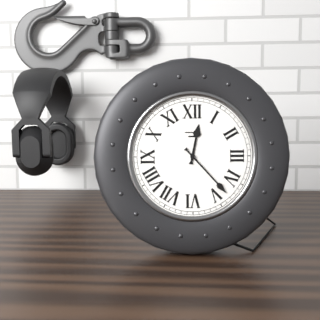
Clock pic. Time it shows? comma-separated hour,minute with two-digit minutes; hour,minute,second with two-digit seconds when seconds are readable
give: 12,23
